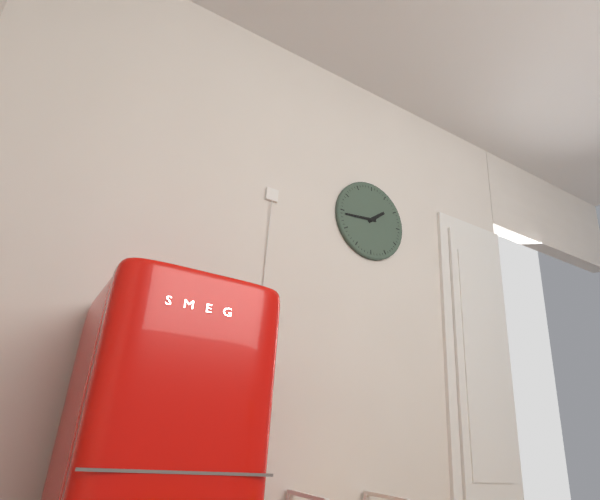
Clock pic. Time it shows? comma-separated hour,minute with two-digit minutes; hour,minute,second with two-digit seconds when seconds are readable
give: 1,44
